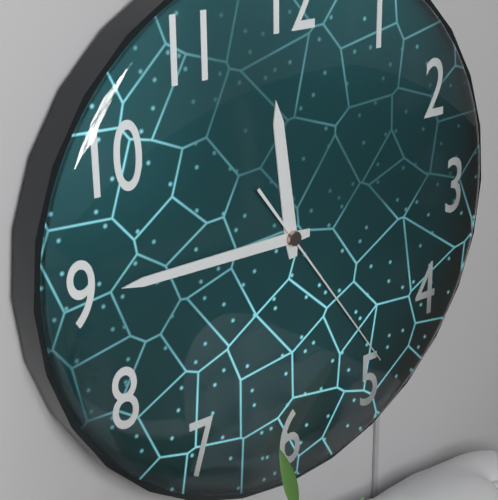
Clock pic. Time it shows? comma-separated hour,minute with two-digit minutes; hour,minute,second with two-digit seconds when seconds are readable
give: 11,45,24
